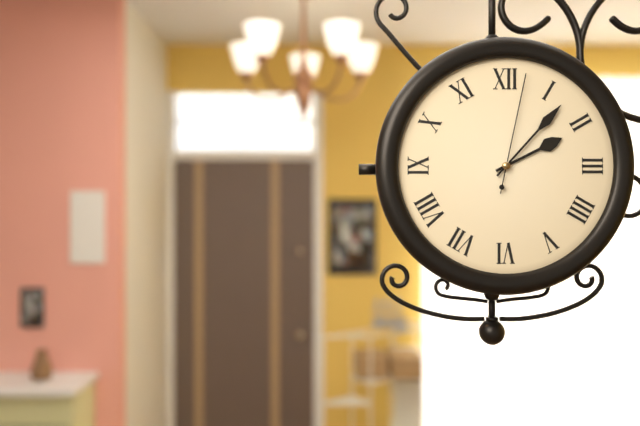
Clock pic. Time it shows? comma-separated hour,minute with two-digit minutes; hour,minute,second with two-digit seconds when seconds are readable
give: 2,07,02
